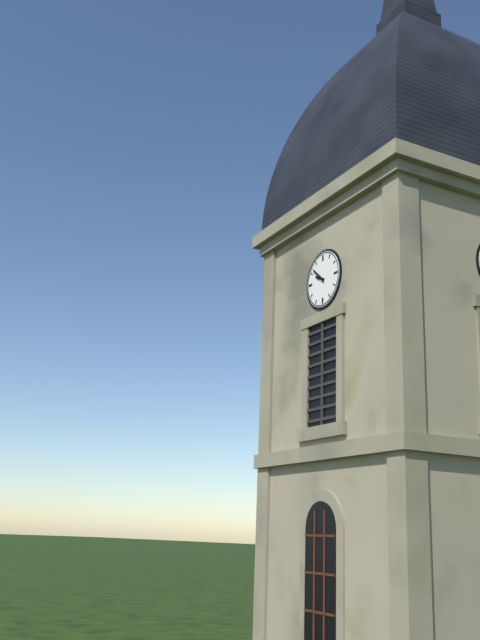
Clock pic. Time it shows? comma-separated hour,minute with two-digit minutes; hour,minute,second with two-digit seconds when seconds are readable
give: 9,52
